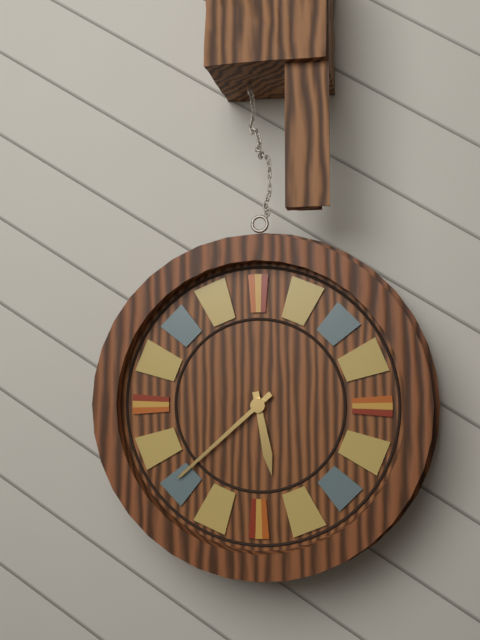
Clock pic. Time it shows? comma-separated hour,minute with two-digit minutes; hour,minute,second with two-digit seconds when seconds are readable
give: 5,38
